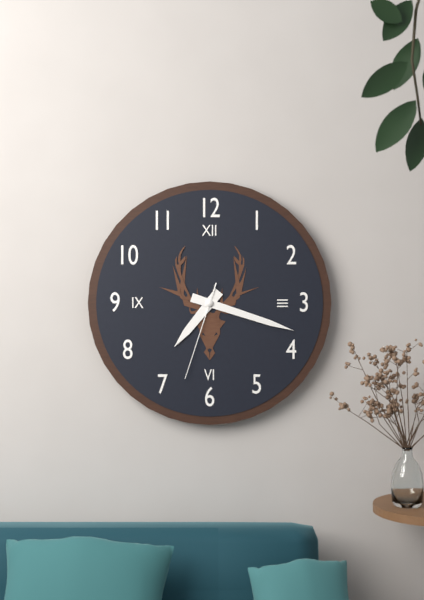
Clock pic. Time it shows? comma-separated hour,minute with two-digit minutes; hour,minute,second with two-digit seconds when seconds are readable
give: 7,18,33
